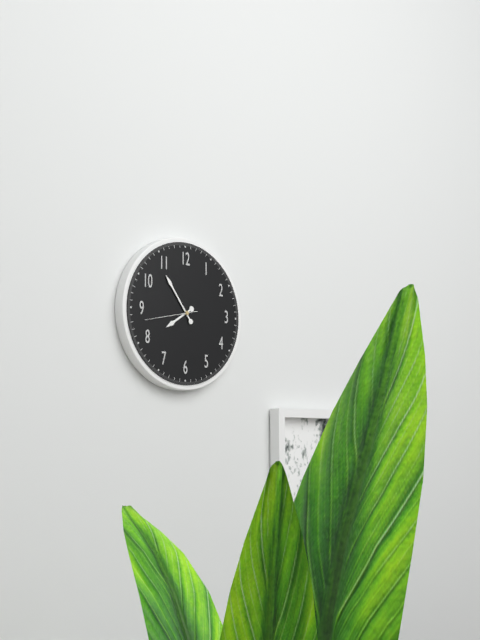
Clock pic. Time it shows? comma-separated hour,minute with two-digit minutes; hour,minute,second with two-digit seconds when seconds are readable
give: 7,54,43
